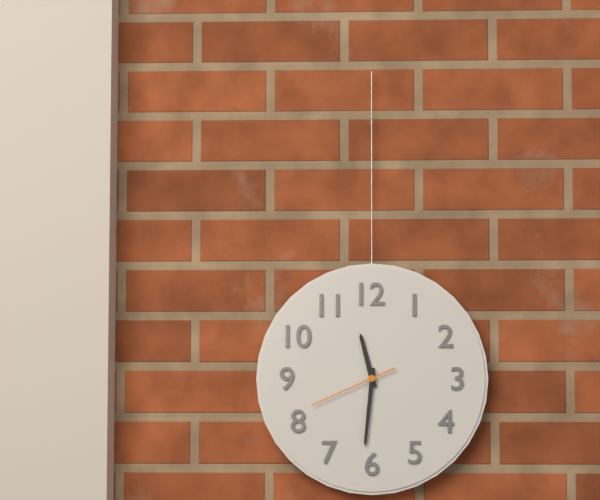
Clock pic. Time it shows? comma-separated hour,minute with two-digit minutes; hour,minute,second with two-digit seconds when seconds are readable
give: 11,31,41
